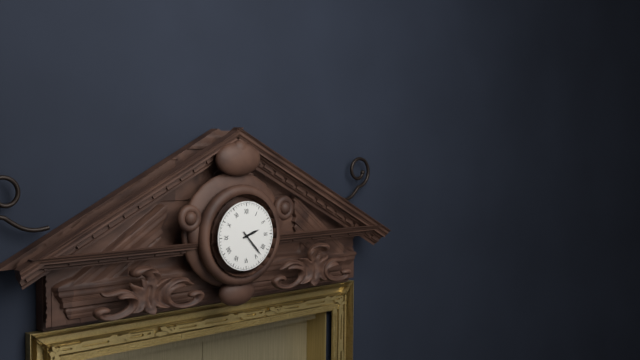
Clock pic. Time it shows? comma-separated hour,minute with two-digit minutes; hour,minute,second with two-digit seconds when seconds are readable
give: 2,23
